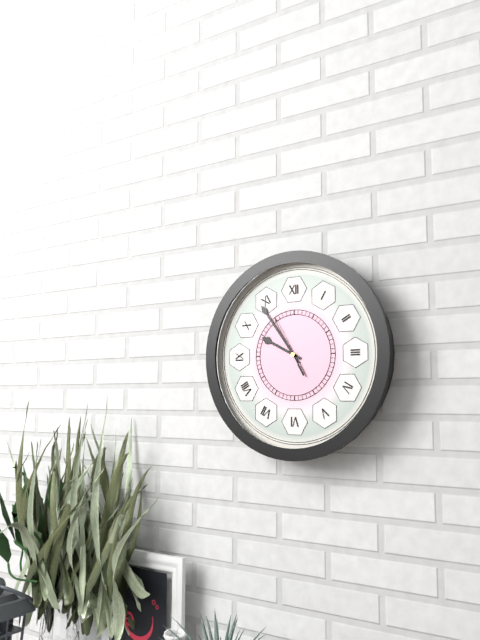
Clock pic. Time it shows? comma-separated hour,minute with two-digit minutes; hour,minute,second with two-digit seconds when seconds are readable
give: 9,54
